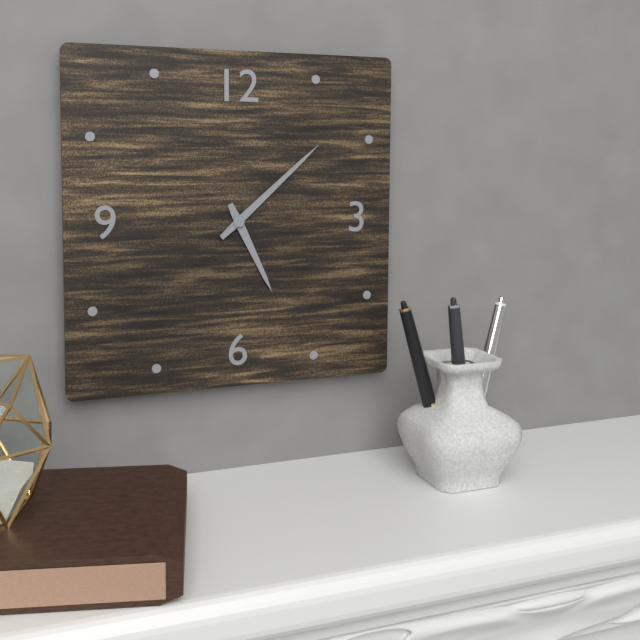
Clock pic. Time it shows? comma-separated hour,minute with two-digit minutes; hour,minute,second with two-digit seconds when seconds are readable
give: 5,08
